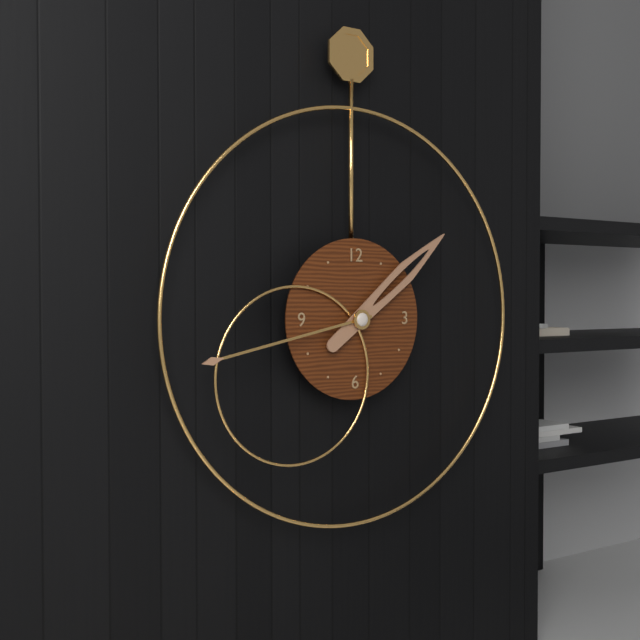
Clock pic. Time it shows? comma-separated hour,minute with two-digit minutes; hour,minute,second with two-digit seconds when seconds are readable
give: 1,43
